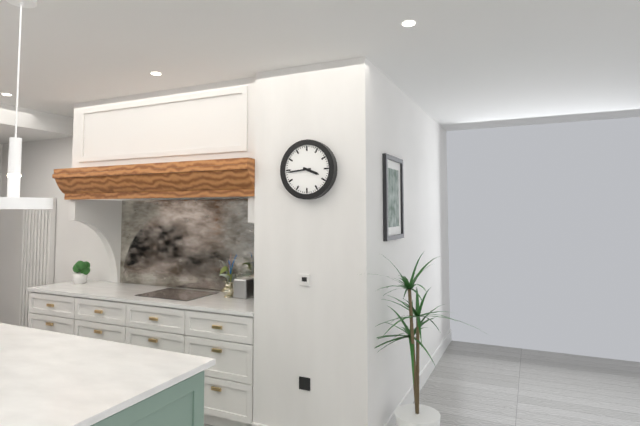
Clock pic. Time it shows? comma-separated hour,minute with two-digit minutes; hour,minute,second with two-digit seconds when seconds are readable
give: 3,44
